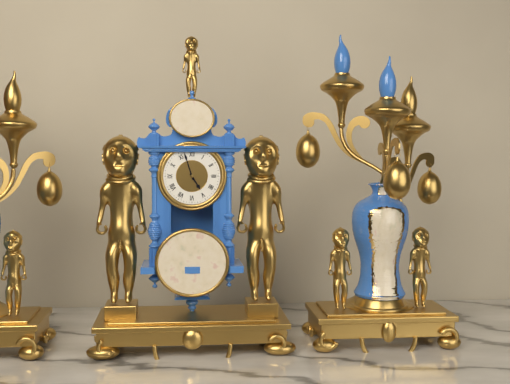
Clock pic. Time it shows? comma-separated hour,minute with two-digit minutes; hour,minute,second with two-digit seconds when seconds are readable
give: 4,57
